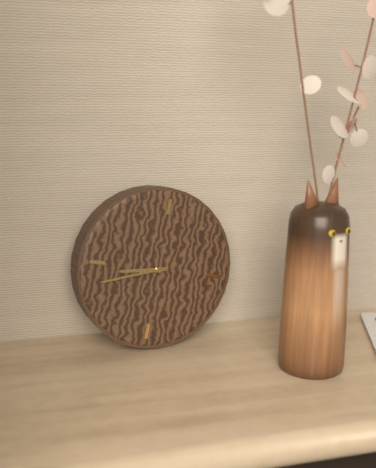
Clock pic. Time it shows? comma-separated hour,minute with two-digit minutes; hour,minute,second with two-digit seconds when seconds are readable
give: 8,42
